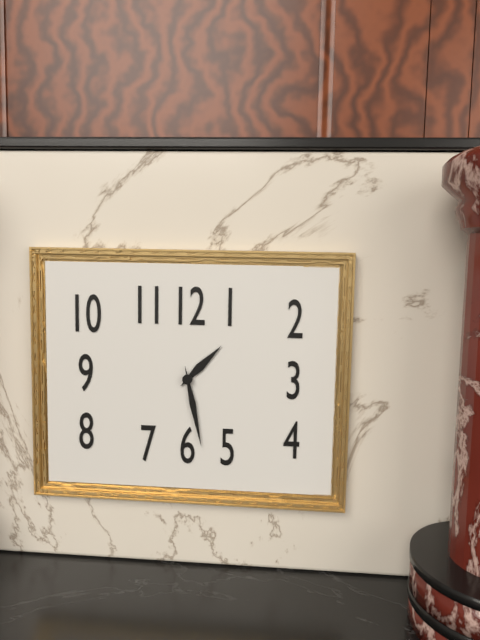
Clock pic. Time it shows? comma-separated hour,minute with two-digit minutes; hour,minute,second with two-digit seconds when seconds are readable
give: 1,28
